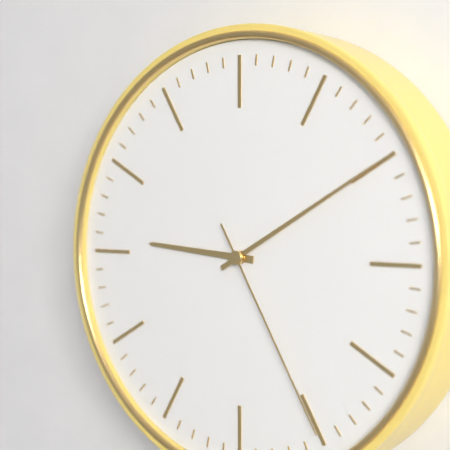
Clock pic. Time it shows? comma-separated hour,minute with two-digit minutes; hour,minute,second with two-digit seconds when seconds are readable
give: 9,10,25
